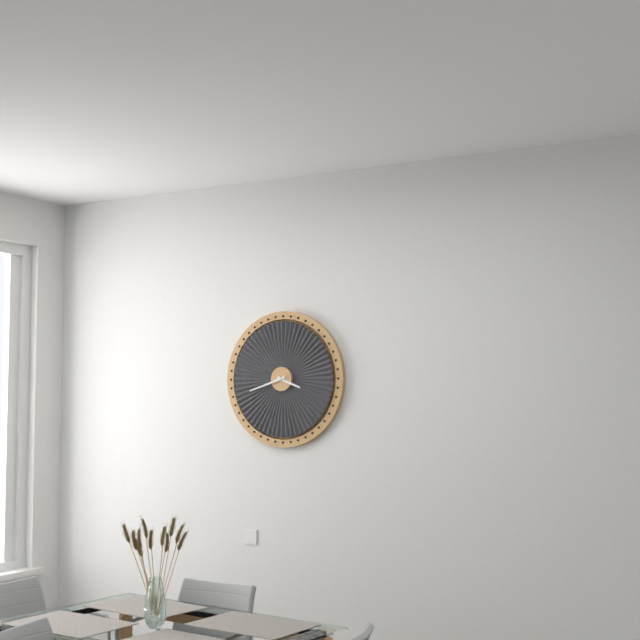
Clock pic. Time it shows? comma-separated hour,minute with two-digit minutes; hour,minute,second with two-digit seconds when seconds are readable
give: 3,42
